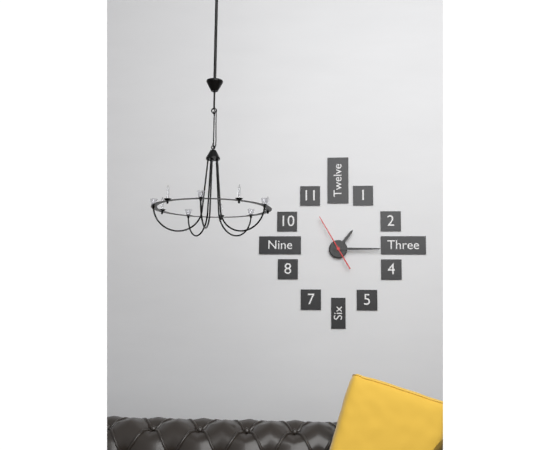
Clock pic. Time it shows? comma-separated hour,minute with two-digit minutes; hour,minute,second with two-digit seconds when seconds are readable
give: 1,15
